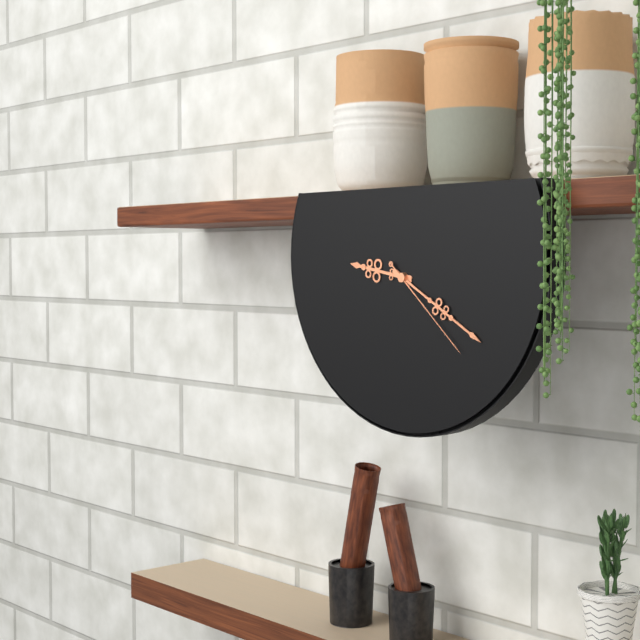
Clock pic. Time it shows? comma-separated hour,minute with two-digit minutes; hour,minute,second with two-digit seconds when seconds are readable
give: 9,20,22
